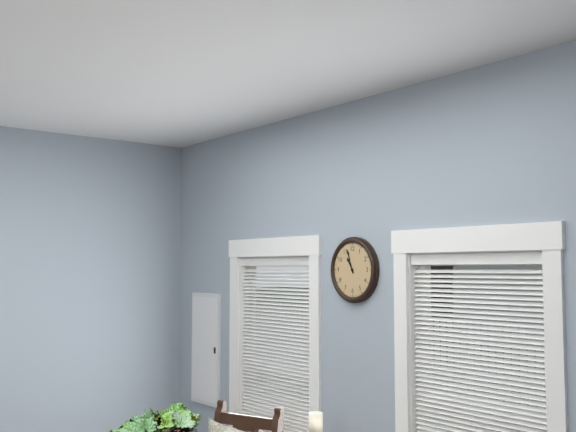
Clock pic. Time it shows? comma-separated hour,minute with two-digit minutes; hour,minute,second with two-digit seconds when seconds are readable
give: 10,57
